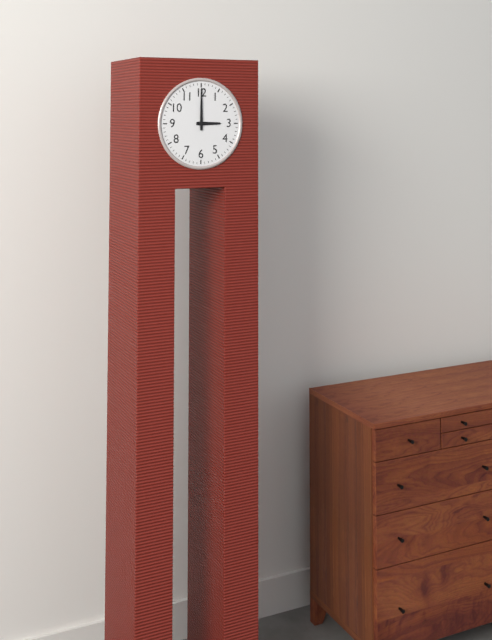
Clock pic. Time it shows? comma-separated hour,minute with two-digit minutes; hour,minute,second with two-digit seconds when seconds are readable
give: 3,00
